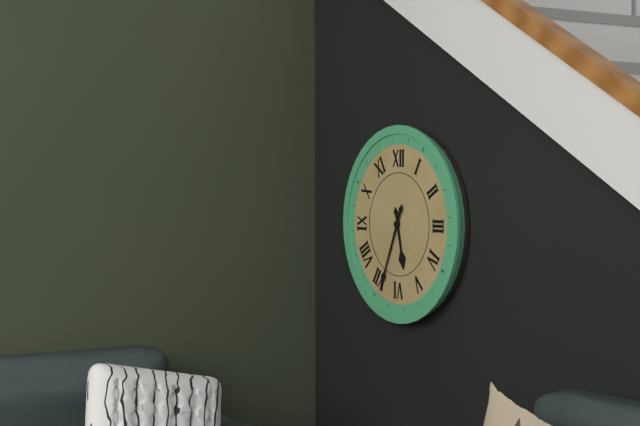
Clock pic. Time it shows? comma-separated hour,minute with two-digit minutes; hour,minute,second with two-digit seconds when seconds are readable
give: 5,34
